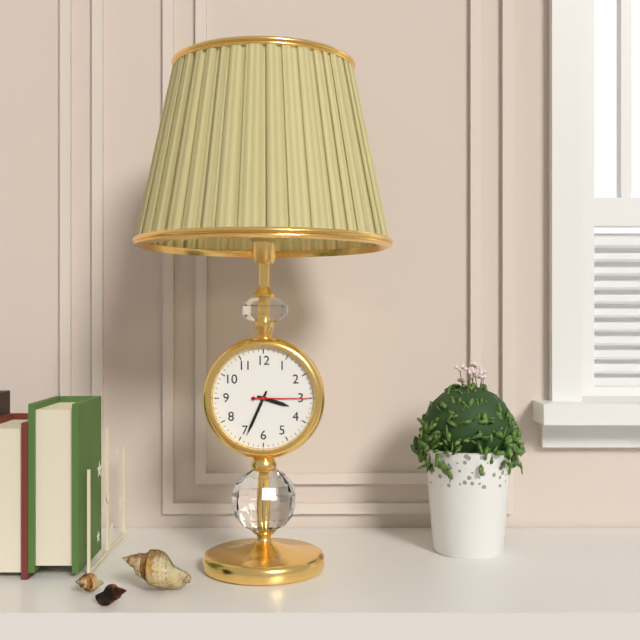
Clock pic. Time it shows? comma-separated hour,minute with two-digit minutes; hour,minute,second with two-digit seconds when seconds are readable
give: 3,34,15
